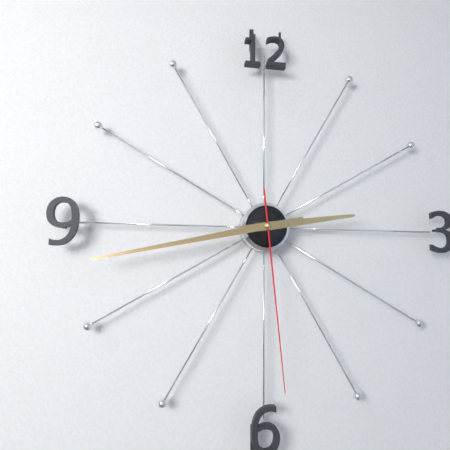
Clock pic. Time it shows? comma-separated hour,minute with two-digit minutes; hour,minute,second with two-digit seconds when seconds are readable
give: 2,43,29
